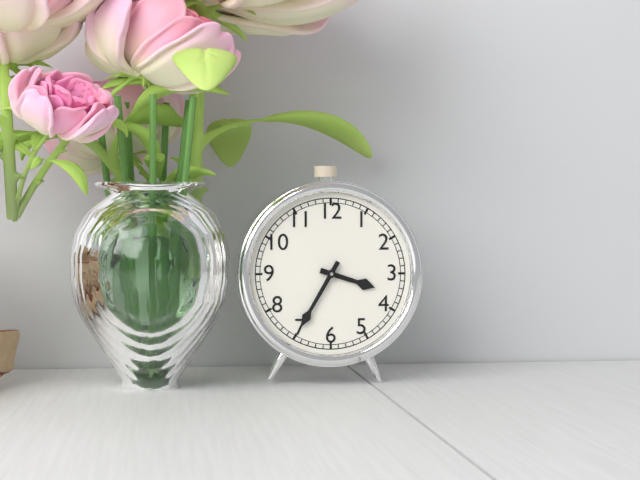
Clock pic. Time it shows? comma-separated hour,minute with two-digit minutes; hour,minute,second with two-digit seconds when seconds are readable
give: 3,35
